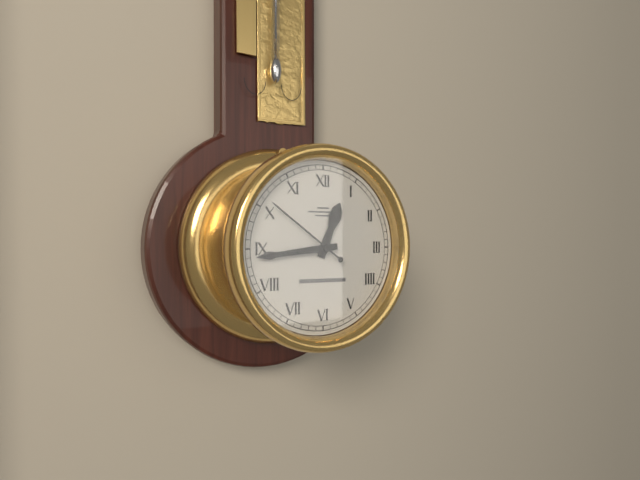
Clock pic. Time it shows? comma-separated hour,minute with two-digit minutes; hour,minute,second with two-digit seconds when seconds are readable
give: 12,44,51
